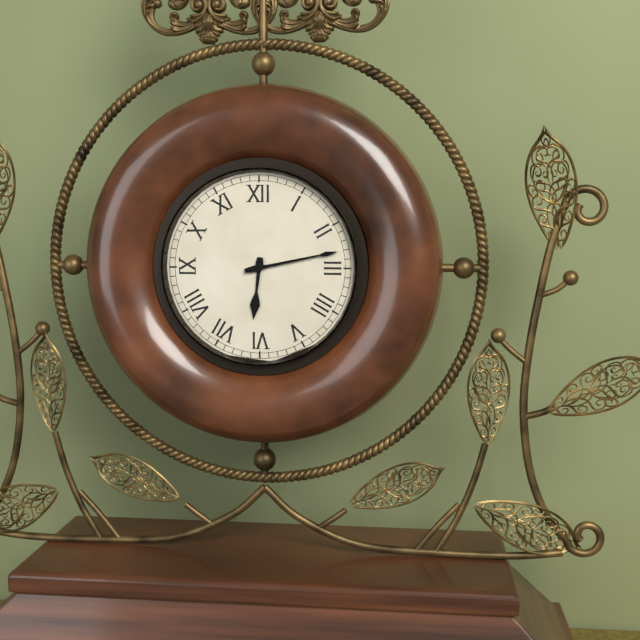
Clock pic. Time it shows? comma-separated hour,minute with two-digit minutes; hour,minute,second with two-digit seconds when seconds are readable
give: 6,13
